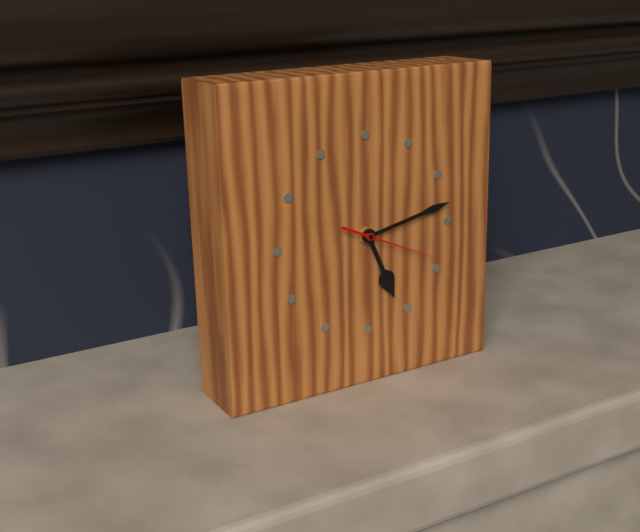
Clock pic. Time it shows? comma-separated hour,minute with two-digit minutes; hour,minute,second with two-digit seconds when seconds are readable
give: 5,13,19
